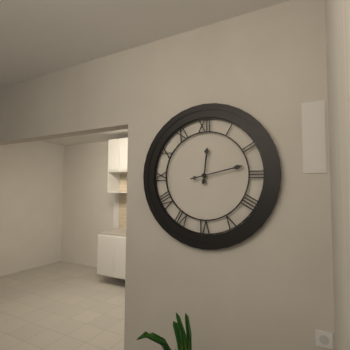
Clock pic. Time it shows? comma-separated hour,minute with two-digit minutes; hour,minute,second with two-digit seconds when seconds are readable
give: 12,13
